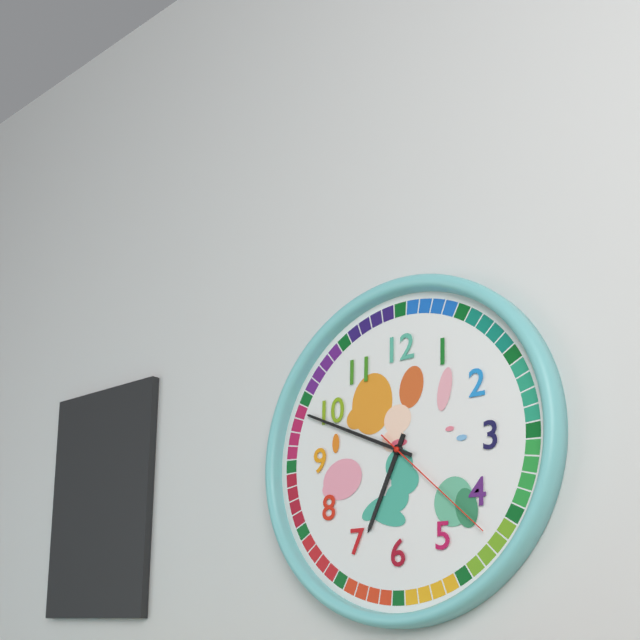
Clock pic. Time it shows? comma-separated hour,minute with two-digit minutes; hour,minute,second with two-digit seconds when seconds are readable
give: 6,49,22
